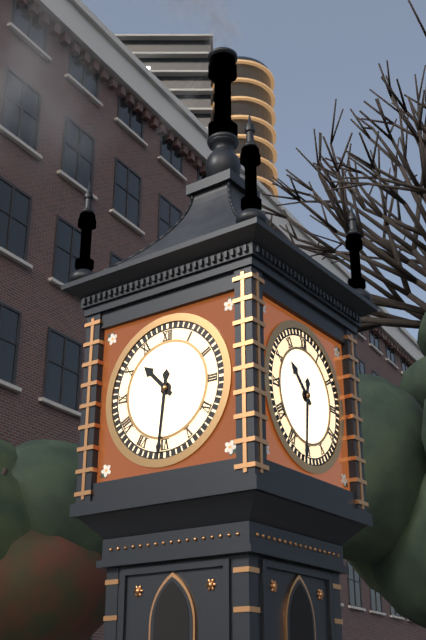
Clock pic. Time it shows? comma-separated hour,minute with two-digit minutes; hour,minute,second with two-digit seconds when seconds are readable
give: 10,31
